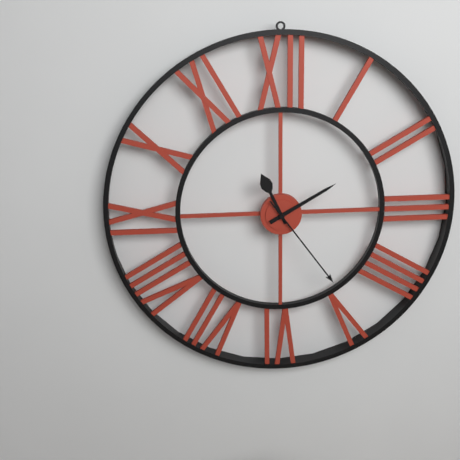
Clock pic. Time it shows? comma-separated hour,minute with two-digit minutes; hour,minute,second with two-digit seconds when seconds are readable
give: 11,10,24
